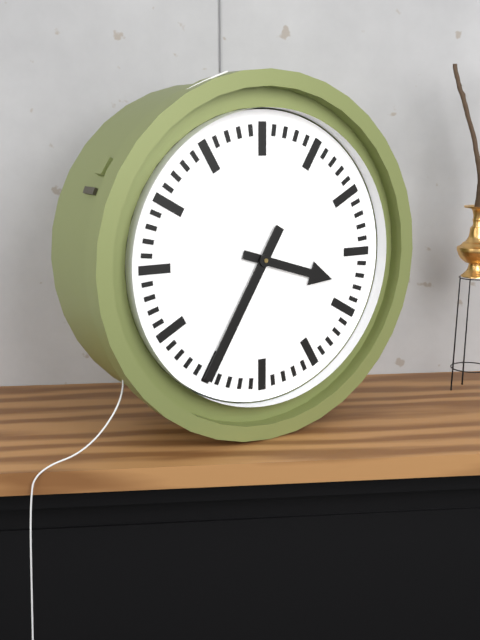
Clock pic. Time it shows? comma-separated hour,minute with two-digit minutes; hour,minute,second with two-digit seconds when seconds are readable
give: 3,35
